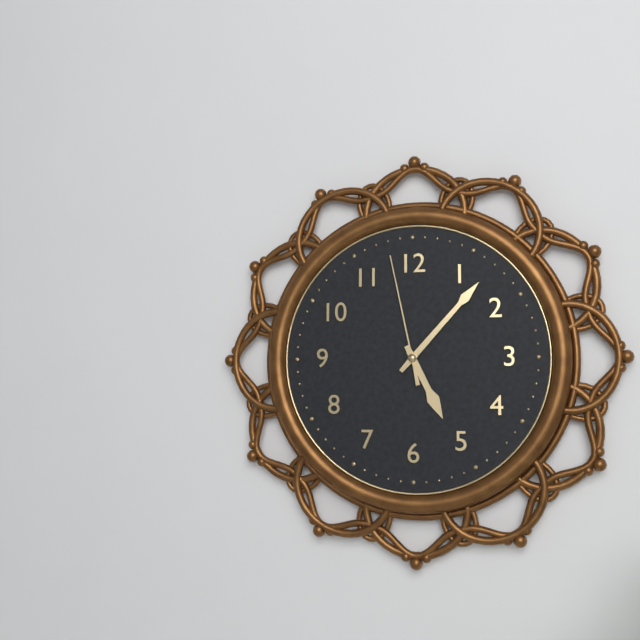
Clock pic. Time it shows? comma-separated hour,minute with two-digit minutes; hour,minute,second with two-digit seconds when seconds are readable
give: 5,07,58
